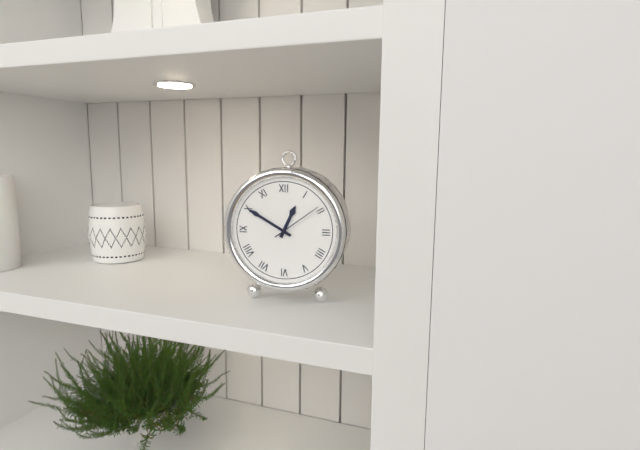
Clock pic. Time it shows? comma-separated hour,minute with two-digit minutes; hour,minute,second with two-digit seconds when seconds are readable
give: 12,50
